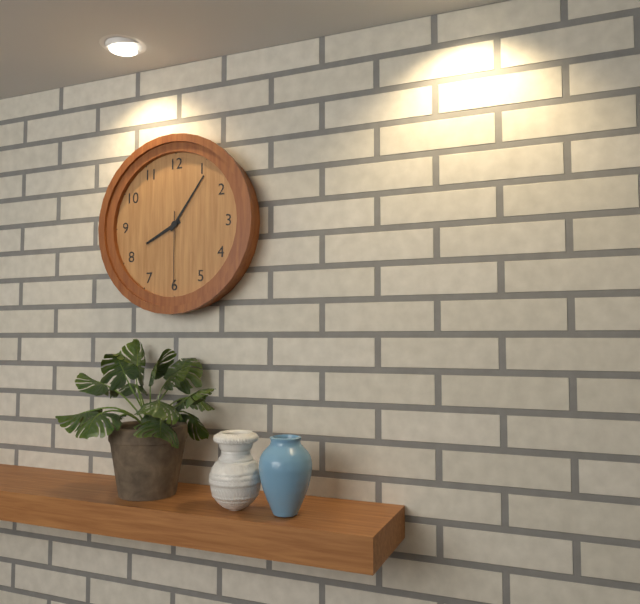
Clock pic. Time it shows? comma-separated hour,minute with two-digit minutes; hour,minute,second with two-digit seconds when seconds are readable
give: 8,06,30
